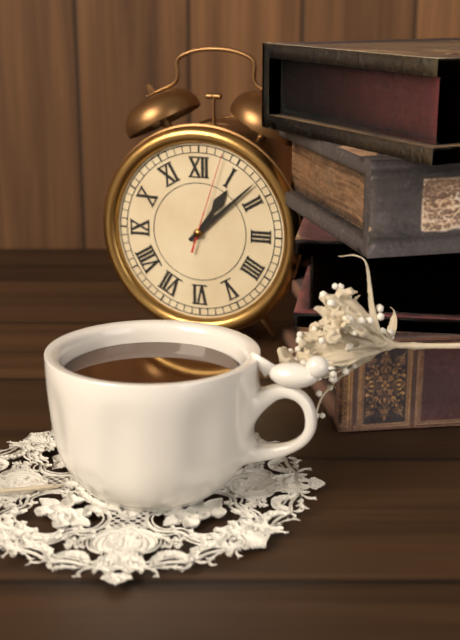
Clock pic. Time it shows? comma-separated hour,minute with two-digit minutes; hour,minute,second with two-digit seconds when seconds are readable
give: 1,08,03
